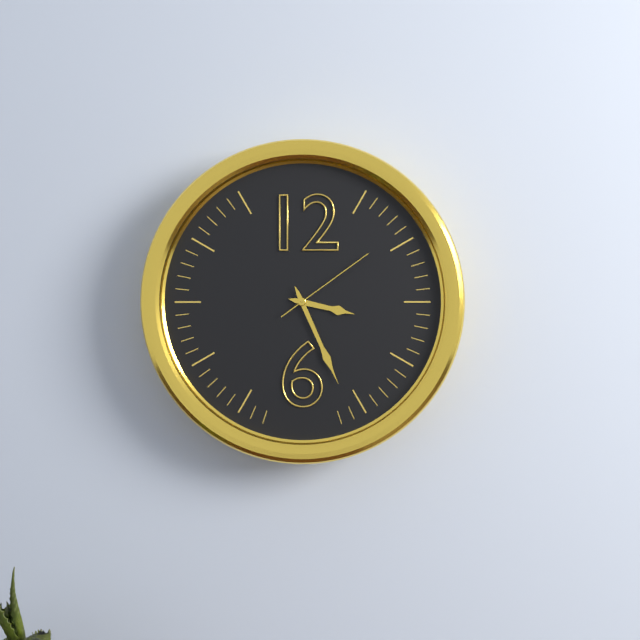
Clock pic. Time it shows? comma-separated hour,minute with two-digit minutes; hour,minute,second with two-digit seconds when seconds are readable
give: 3,26,09
